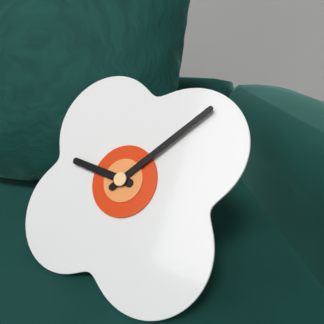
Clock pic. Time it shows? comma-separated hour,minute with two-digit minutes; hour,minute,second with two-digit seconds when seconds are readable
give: 9,06
